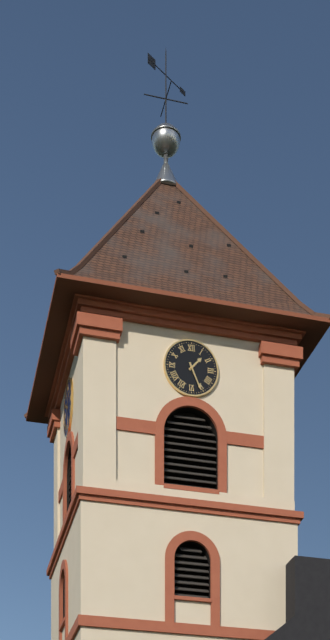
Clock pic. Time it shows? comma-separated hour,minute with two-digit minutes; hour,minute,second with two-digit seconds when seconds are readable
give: 1,26
